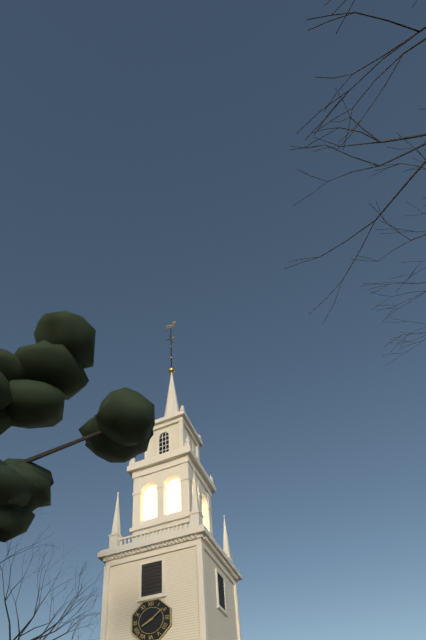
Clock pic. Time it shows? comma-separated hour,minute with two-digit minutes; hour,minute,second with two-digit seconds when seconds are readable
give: 8,09
